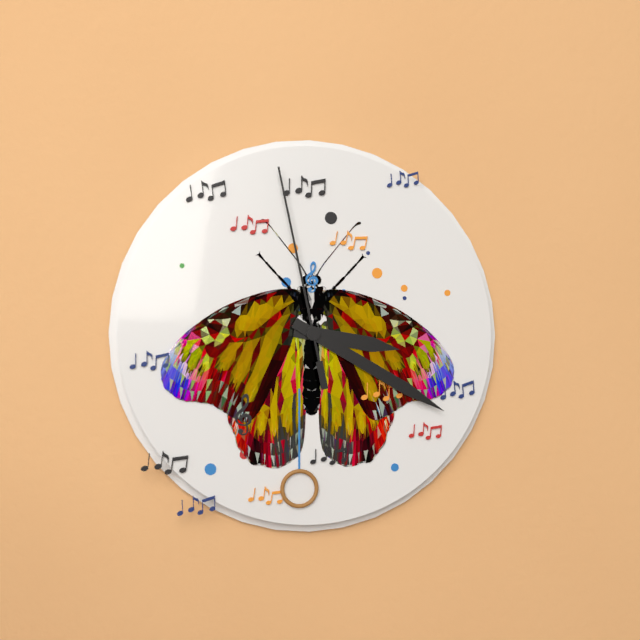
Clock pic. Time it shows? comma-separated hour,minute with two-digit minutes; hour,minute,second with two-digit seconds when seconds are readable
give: 3,20,58
